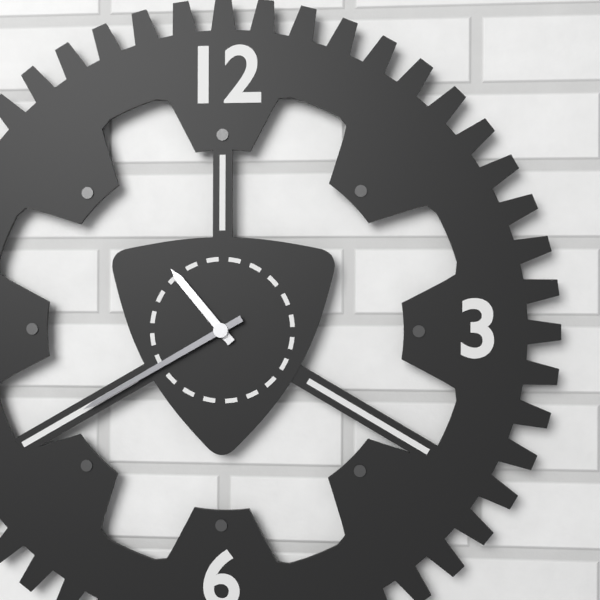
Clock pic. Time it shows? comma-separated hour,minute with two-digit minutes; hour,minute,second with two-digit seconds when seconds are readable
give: 10,40
